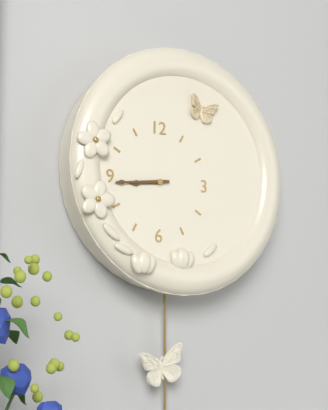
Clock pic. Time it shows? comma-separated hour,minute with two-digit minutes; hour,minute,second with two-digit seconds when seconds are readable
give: 8,44
